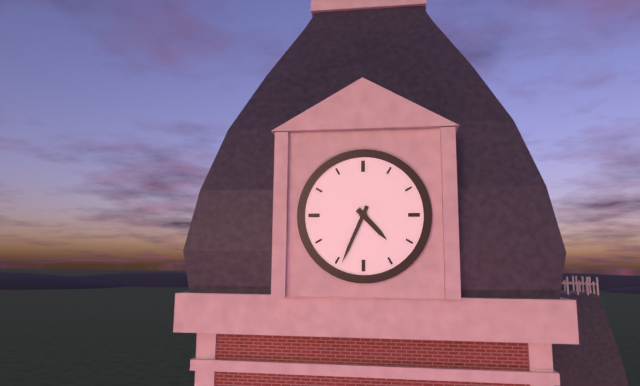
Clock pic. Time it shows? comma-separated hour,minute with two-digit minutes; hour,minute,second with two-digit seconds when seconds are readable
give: 4,34
